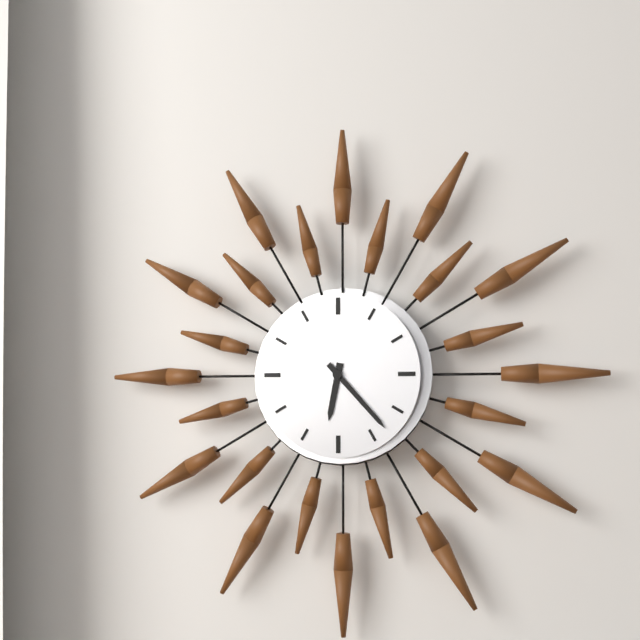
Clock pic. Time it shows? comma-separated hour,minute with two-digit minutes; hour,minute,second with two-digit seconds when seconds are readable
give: 6,23
